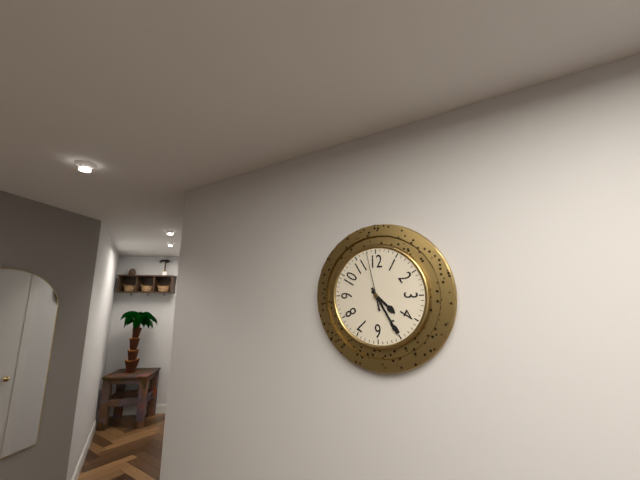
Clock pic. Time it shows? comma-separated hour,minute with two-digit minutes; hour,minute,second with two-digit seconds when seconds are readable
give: 4,25,58
